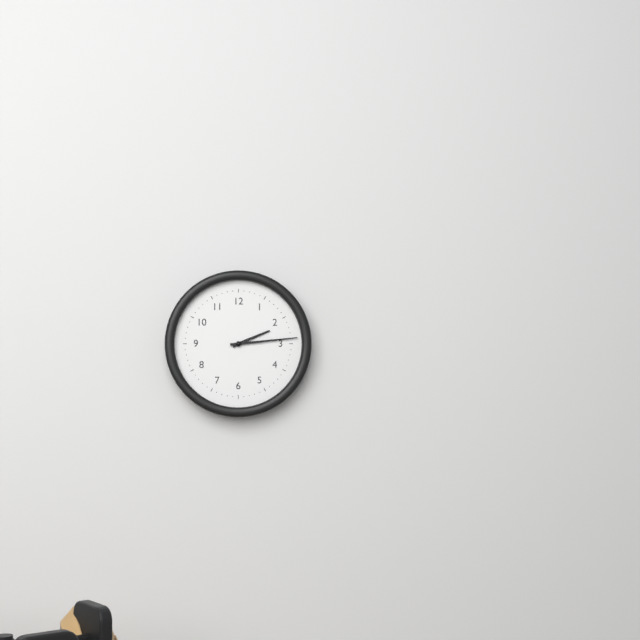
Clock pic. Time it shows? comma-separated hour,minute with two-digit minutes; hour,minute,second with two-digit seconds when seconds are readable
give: 2,14
